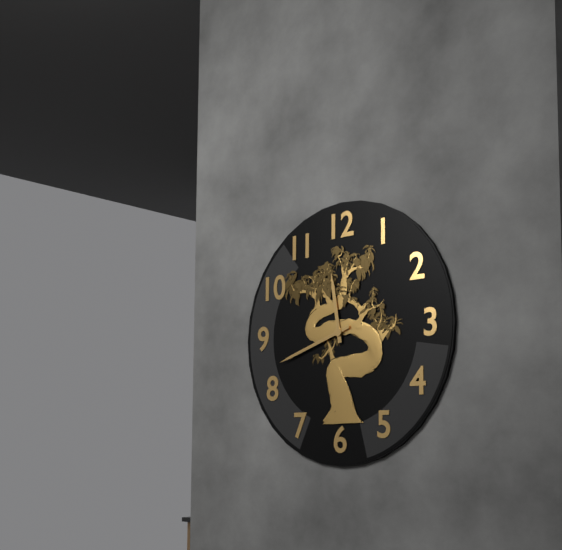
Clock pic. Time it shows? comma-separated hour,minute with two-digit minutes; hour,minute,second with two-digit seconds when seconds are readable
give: 11,42
